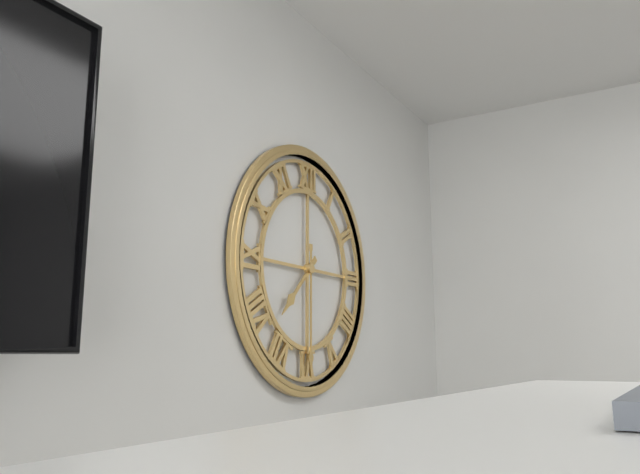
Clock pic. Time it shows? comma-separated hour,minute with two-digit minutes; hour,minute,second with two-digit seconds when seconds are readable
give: 7,30
